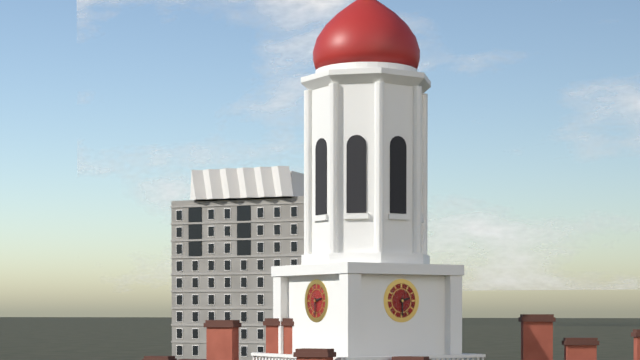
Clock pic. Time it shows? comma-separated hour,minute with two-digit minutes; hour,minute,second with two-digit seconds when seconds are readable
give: 2,30
